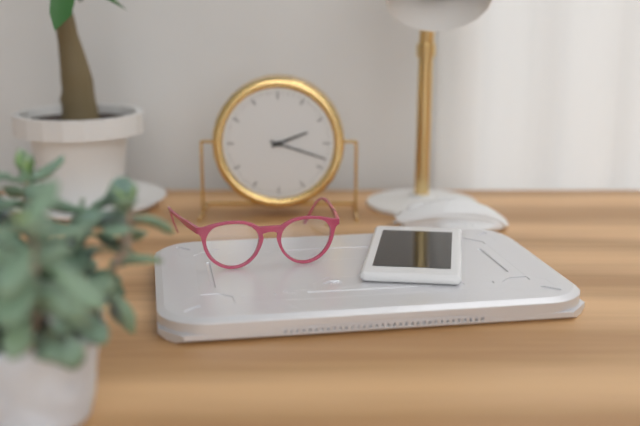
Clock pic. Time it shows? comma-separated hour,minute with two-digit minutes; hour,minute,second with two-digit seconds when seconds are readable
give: 2,18
